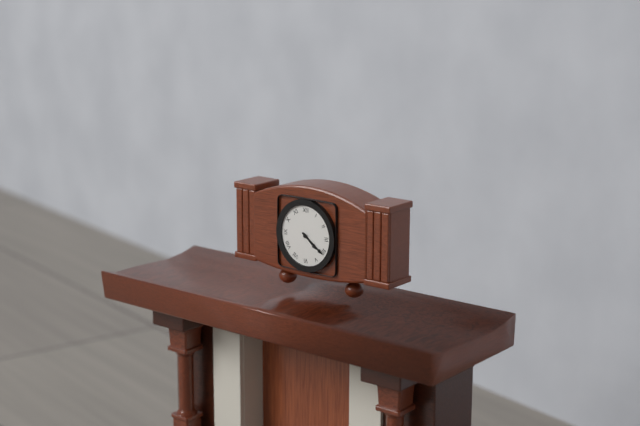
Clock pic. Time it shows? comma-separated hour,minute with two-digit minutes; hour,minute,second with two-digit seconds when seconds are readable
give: 4,21
